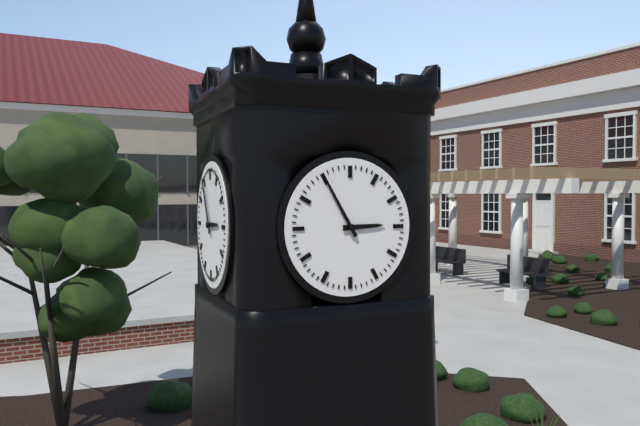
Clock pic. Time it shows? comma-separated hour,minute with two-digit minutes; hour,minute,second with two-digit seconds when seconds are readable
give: 2,55
